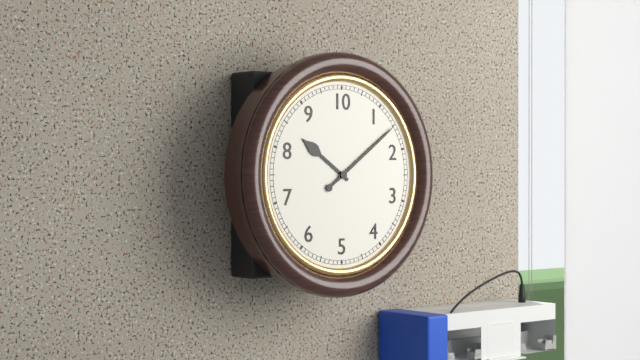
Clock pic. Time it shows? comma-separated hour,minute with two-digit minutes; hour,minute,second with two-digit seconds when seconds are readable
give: 10,09
